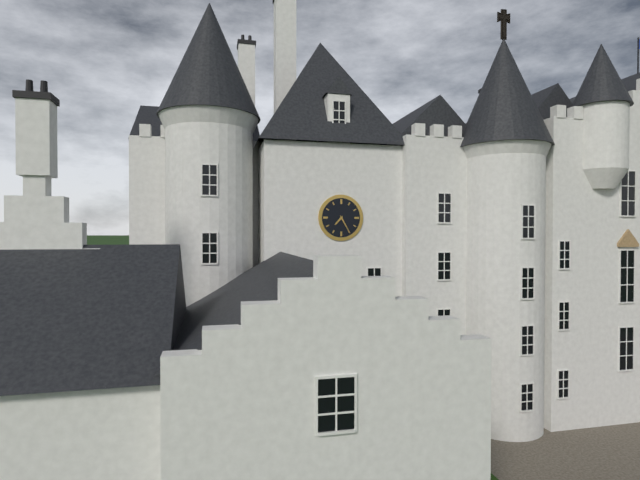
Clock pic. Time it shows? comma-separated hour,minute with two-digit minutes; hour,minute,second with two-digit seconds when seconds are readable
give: 7,25
